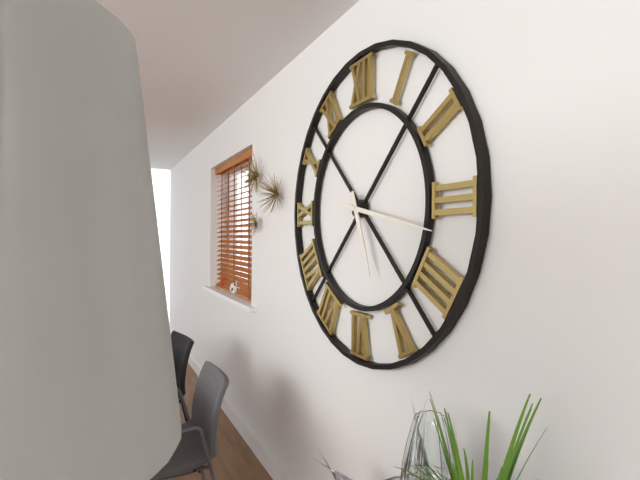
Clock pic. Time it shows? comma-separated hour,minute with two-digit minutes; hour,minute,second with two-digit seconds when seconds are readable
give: 5,17
